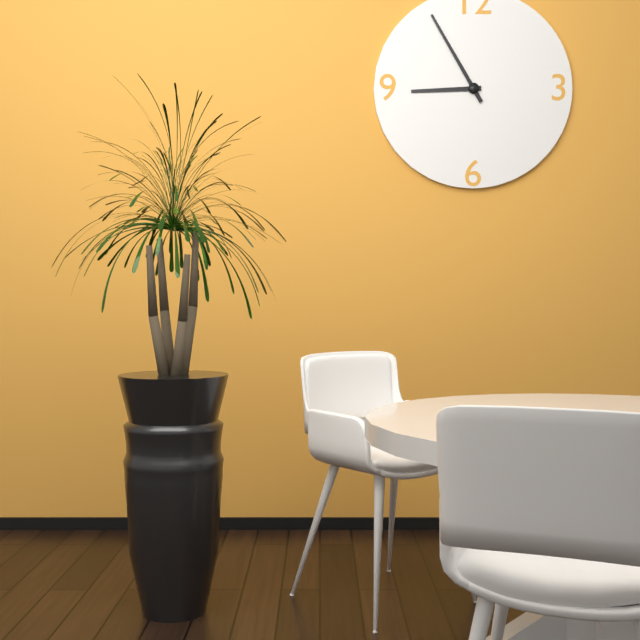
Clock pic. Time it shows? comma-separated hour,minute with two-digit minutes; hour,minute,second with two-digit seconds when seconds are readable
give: 8,55
